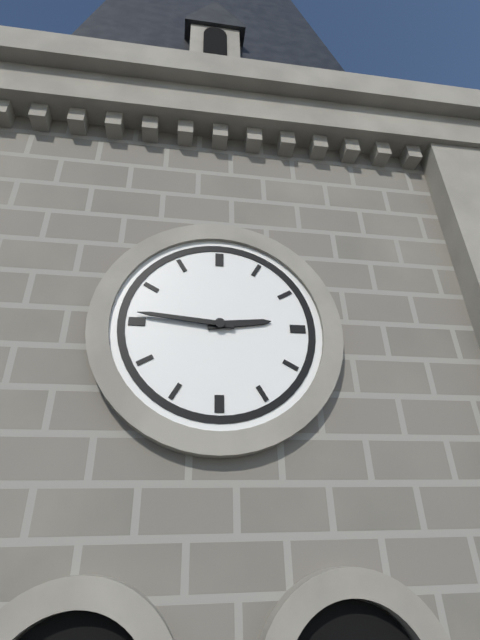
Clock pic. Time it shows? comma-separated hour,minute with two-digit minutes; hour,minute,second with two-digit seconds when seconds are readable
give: 2,46
